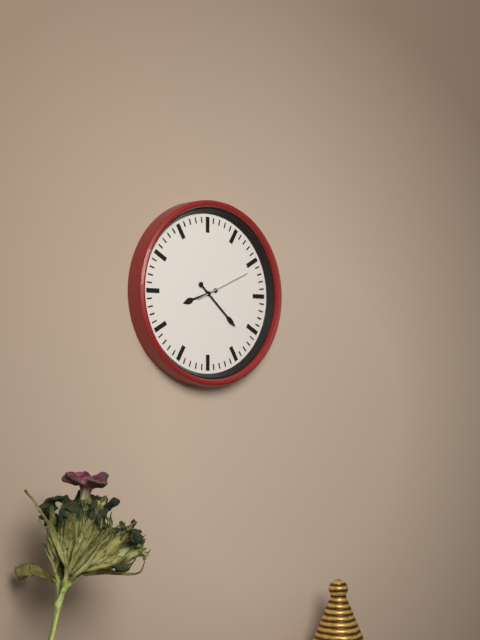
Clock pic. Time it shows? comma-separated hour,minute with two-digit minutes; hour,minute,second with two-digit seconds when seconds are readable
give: 8,22,11
